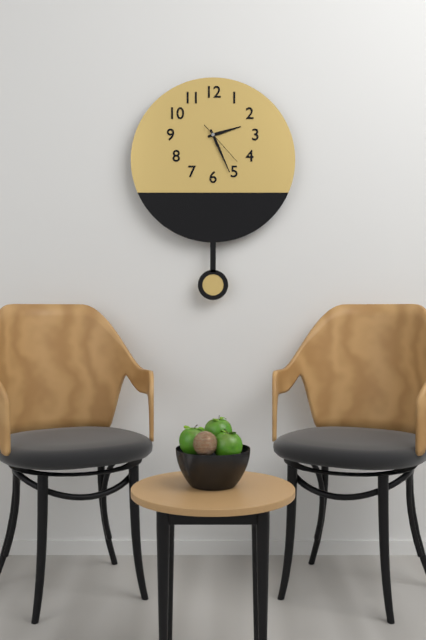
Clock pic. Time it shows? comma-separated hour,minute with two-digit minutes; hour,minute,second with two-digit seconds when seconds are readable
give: 2,26
